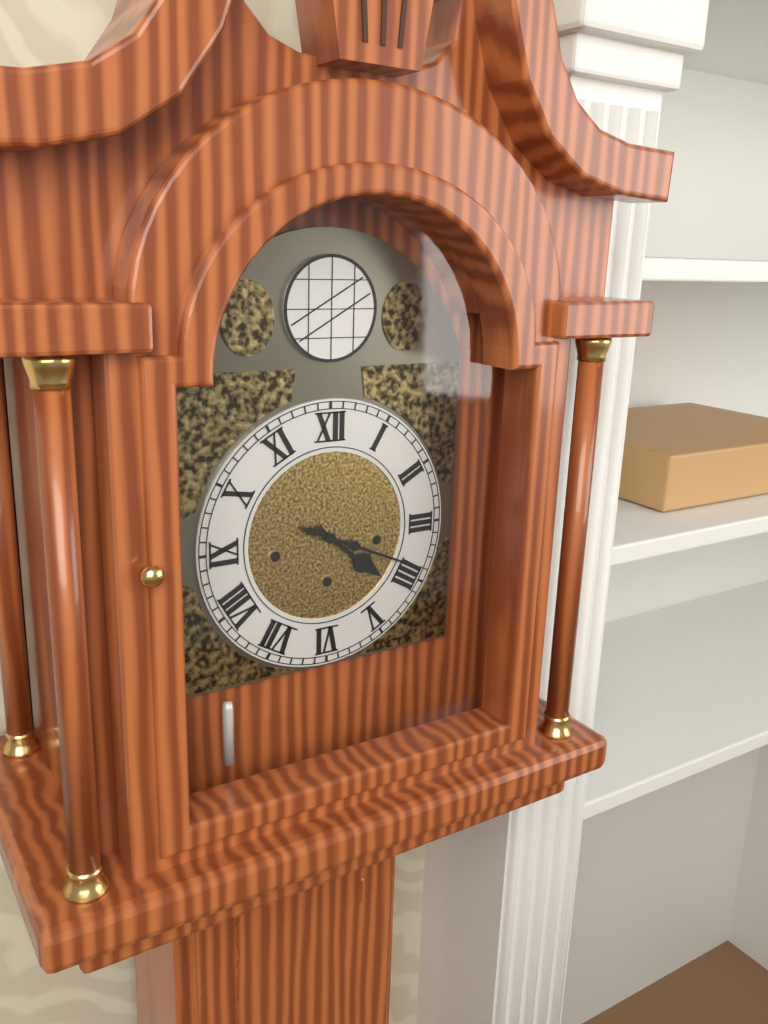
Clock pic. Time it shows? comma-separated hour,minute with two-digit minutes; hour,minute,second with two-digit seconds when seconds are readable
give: 4,19
